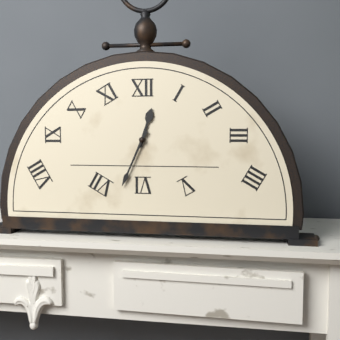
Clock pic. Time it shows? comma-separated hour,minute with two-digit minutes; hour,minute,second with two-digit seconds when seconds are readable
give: 12,34
